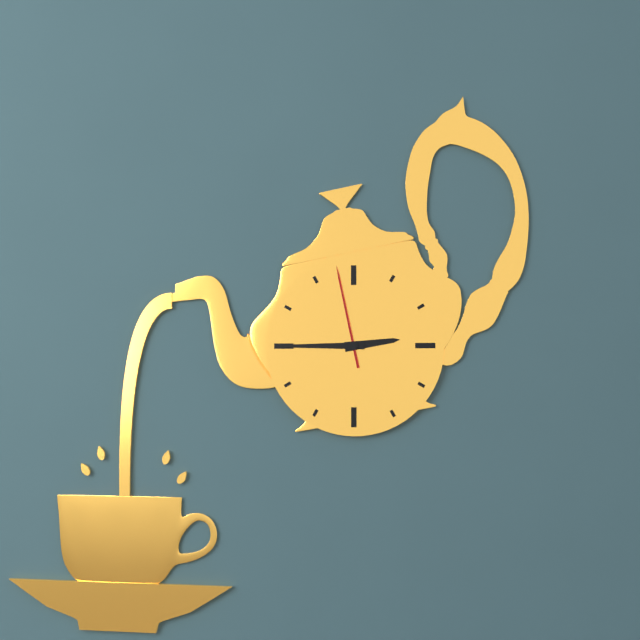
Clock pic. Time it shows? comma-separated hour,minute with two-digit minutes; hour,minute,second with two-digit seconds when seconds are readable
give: 2,45,58
